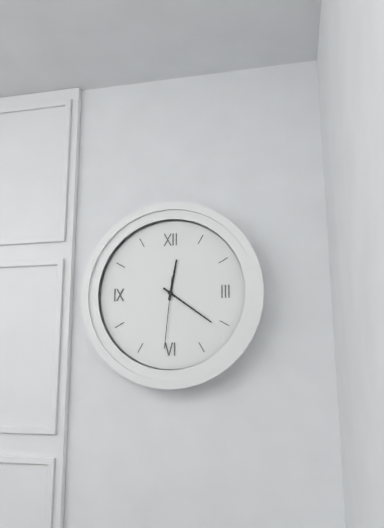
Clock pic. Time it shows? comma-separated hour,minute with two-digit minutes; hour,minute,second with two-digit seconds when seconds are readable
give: 12,21,31
